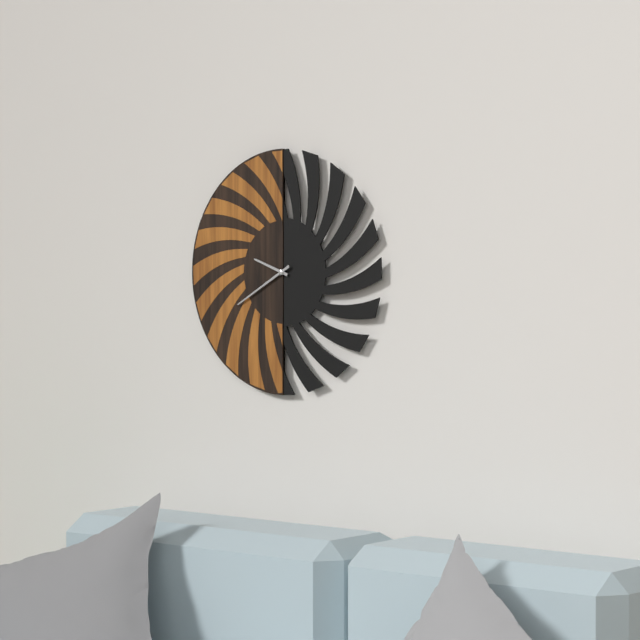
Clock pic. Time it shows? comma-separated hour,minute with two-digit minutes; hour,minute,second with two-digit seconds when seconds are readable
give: 9,40
